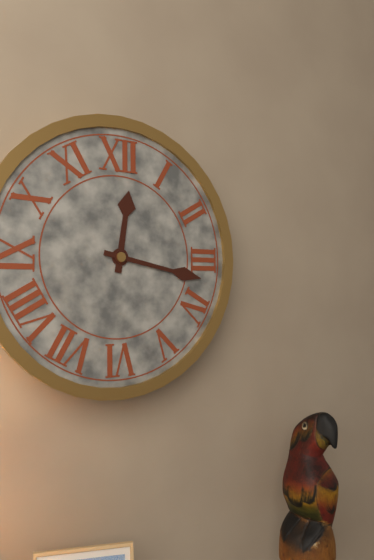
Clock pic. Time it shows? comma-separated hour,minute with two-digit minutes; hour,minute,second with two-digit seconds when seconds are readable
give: 12,17
